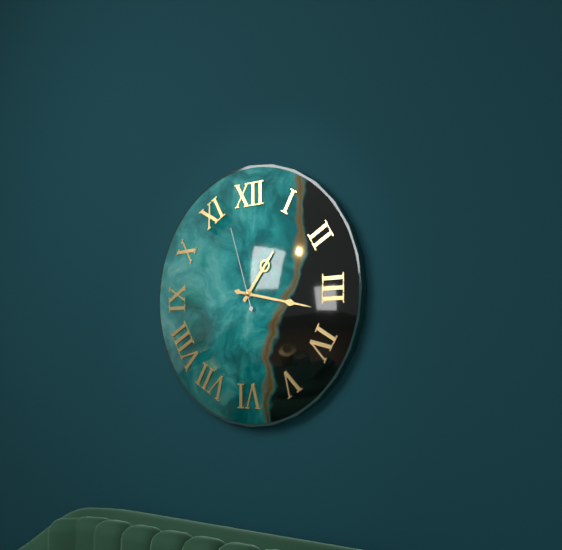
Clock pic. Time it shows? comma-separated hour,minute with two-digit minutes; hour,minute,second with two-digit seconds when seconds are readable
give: 1,17,57
